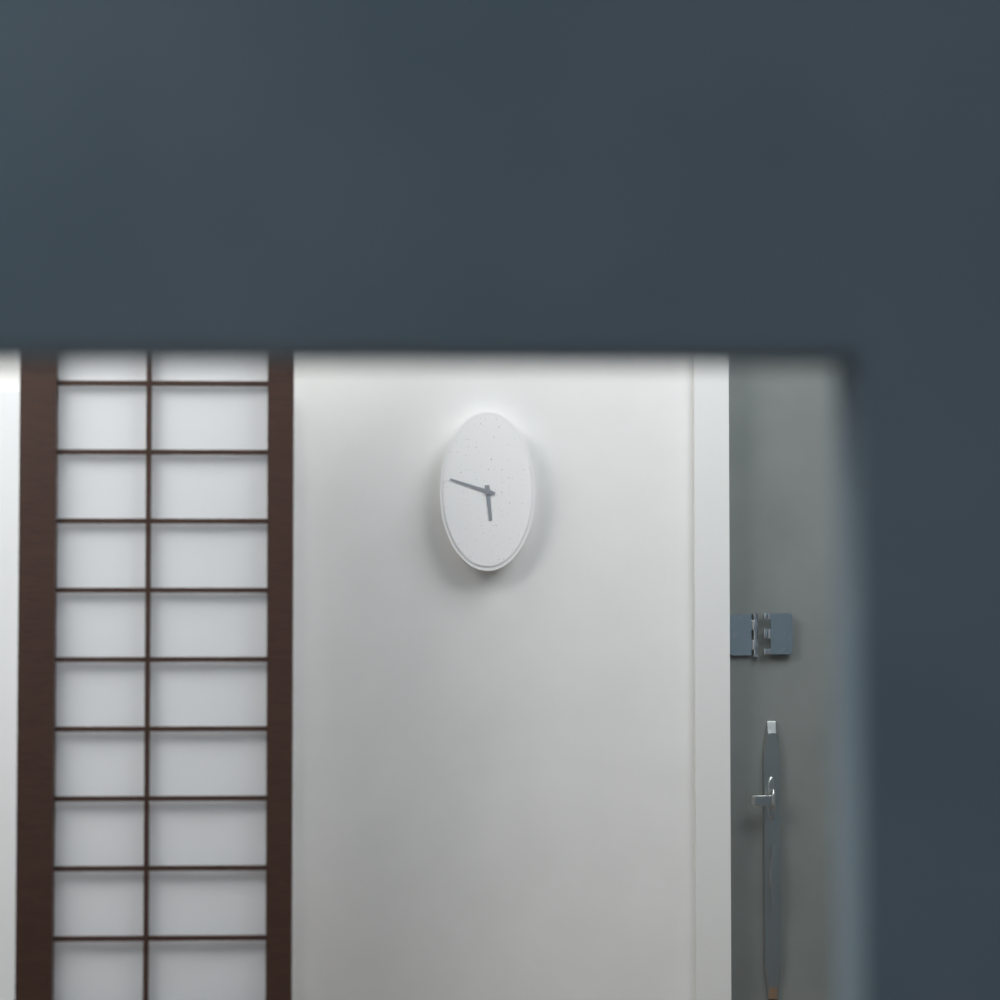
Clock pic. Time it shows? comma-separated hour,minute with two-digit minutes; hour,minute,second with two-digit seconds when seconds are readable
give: 5,48
